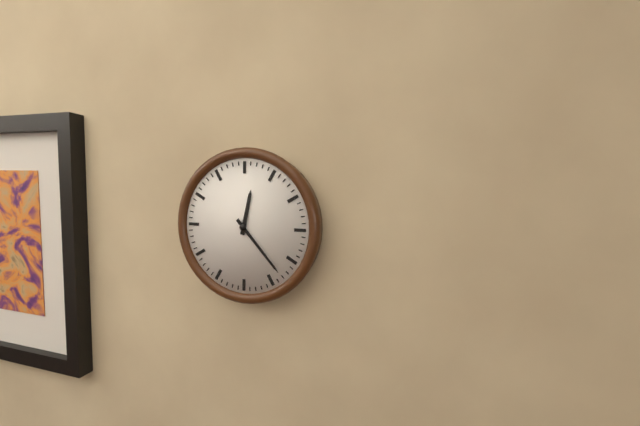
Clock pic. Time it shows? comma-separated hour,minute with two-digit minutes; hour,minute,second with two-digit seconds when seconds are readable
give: 12,23
